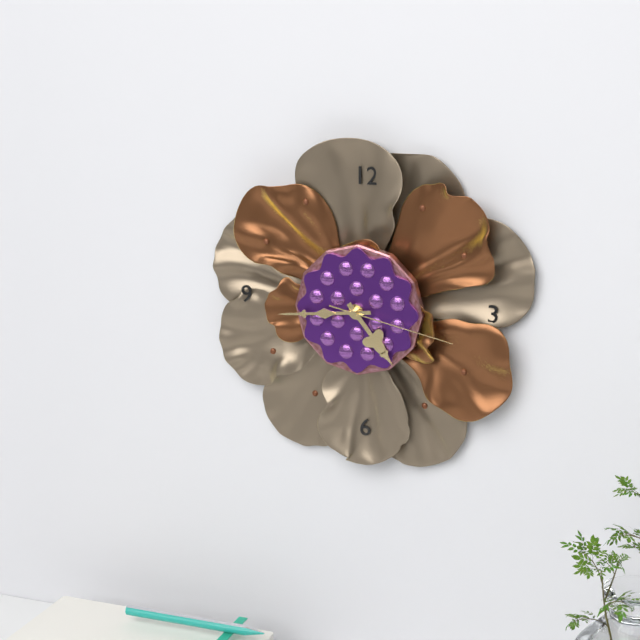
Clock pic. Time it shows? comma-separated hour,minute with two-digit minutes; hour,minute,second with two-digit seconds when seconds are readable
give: 4,44,17
